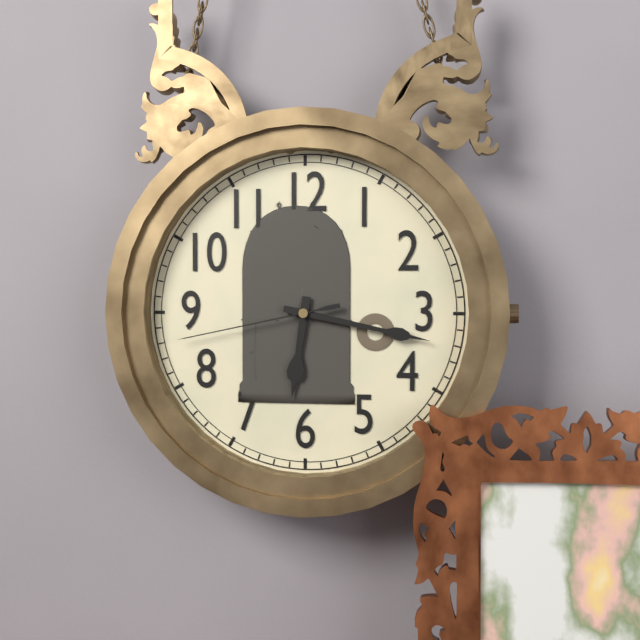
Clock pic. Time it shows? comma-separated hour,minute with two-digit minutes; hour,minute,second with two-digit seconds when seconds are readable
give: 6,17,43
